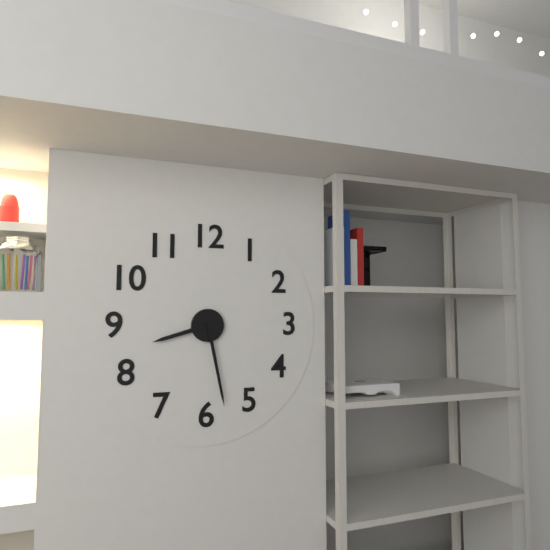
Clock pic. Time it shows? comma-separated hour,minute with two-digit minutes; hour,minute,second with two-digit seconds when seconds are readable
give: 8,28
